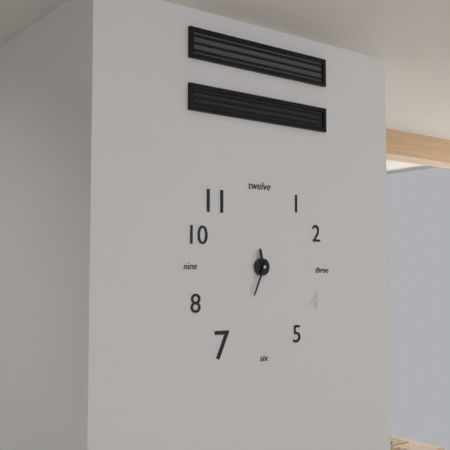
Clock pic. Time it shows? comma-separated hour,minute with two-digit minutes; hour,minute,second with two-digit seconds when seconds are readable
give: 11,34
